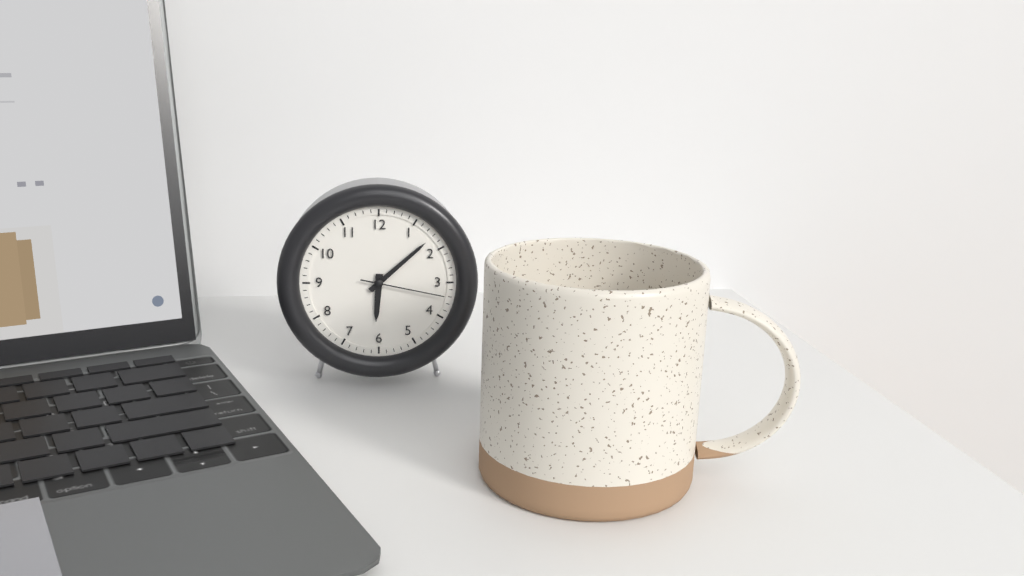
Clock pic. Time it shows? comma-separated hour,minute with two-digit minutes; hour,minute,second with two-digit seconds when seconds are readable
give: 6,08,17
